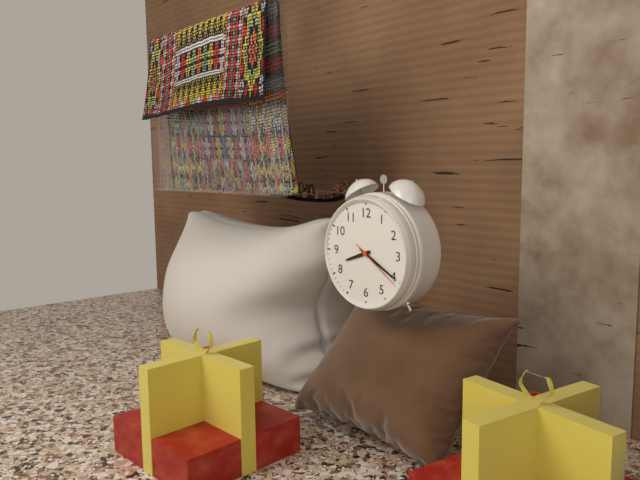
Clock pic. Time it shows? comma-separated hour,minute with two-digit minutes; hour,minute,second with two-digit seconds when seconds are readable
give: 8,20,21
